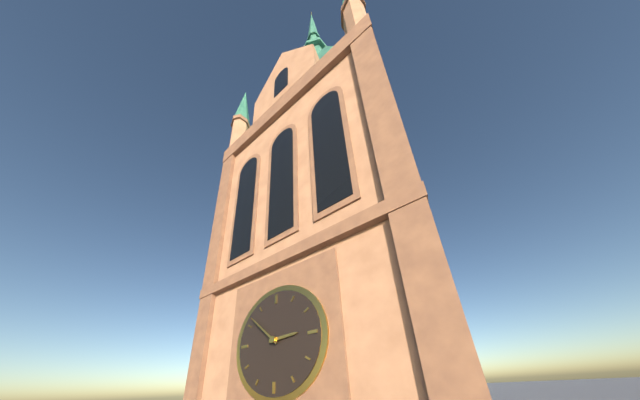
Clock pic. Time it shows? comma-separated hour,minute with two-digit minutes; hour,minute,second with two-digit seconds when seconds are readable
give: 2,52
